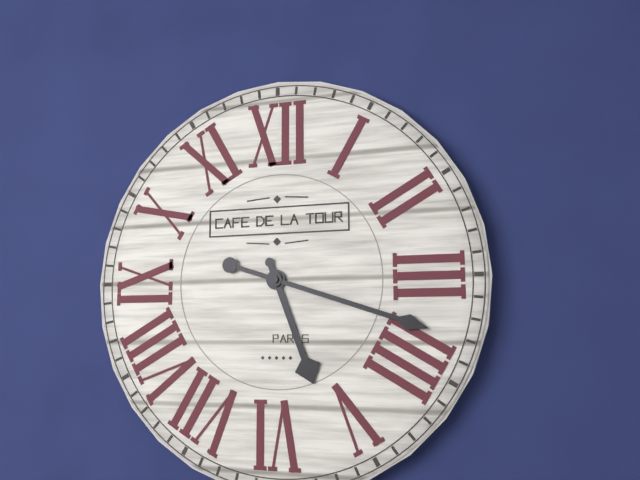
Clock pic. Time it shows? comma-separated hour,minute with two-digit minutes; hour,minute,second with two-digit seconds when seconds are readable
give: 5,18
